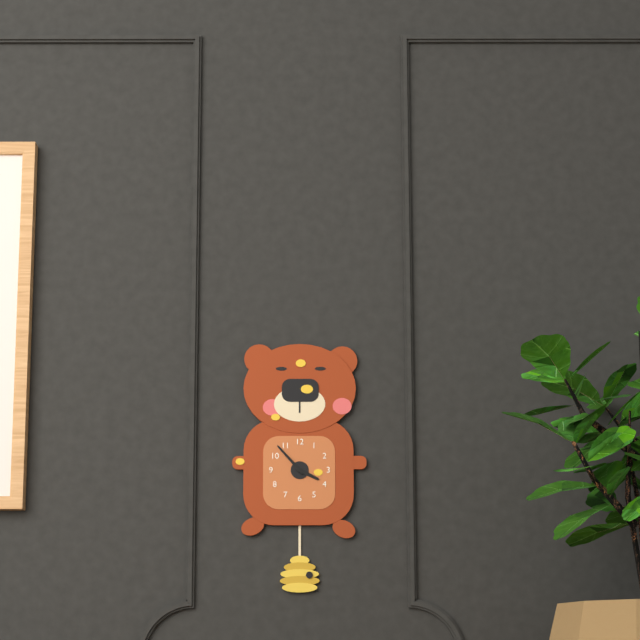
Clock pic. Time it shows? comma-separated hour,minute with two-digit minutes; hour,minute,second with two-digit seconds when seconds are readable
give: 3,53
